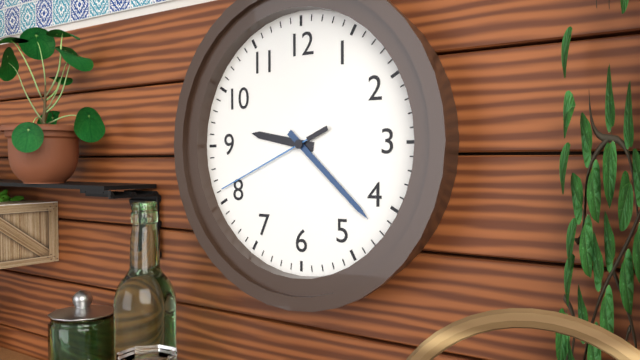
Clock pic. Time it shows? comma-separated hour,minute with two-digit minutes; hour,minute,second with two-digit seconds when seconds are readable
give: 9,22,41
